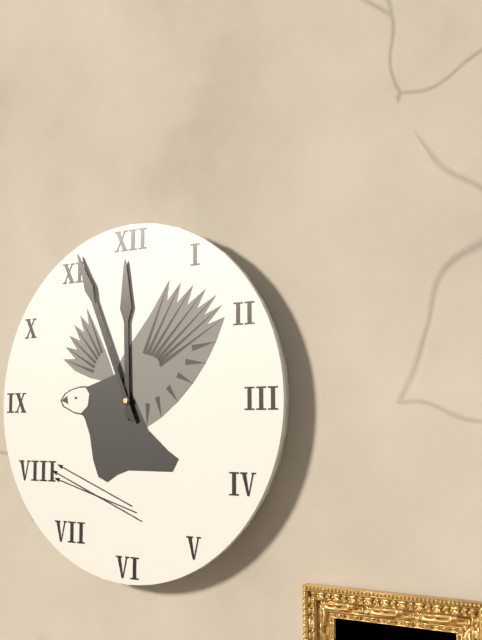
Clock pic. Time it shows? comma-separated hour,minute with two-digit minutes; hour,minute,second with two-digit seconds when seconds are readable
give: 11,56
